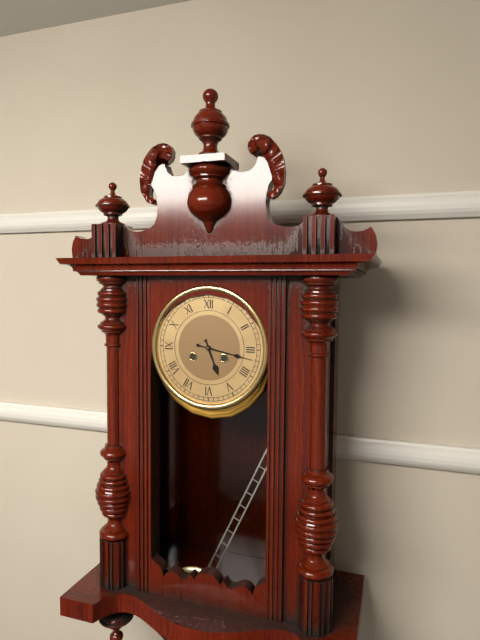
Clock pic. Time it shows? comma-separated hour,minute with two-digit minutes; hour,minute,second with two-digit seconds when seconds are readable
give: 5,17
